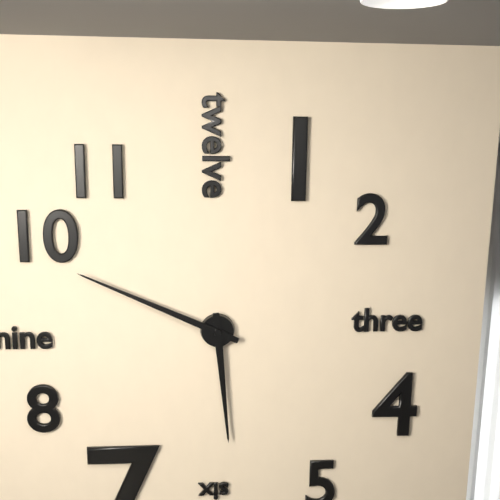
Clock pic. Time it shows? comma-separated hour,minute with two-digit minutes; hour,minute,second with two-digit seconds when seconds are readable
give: 5,49
